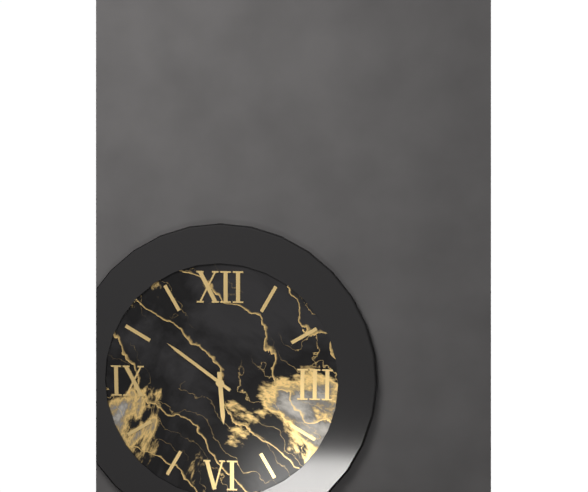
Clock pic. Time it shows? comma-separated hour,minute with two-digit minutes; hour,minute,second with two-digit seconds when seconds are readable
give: 5,51
